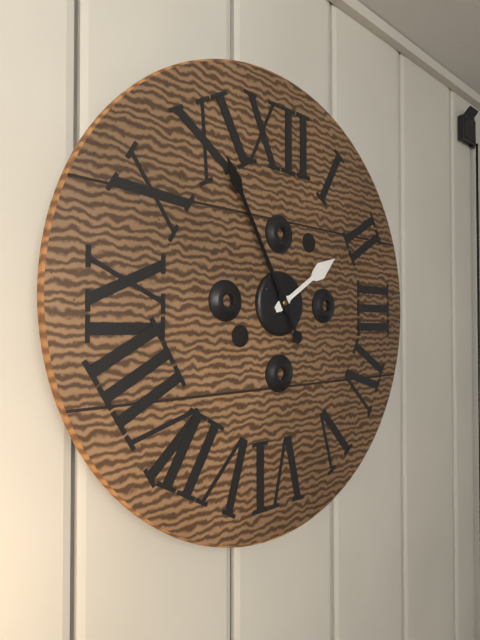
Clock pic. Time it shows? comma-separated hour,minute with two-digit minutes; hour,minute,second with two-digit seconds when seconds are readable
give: 1,55
